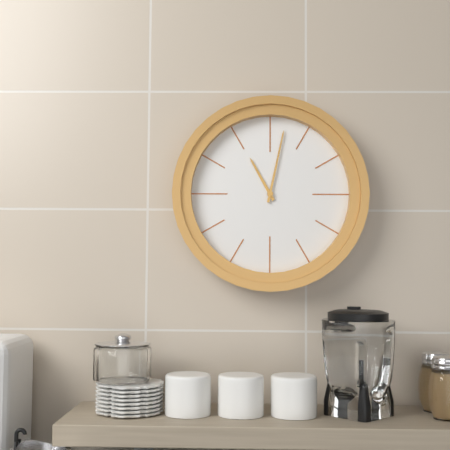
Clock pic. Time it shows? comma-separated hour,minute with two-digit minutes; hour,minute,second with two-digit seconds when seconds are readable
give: 11,02
